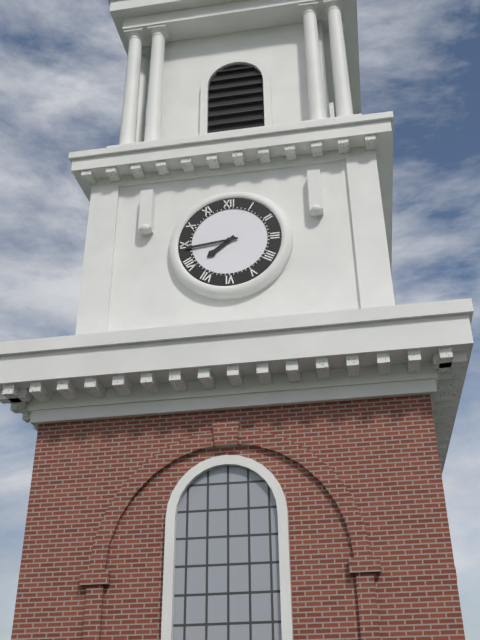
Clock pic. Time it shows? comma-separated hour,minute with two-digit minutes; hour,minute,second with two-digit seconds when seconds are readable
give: 7,44
